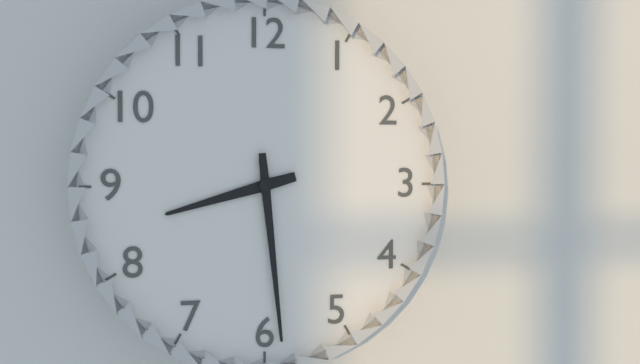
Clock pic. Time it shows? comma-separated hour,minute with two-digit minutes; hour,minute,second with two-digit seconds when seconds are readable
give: 8,29
